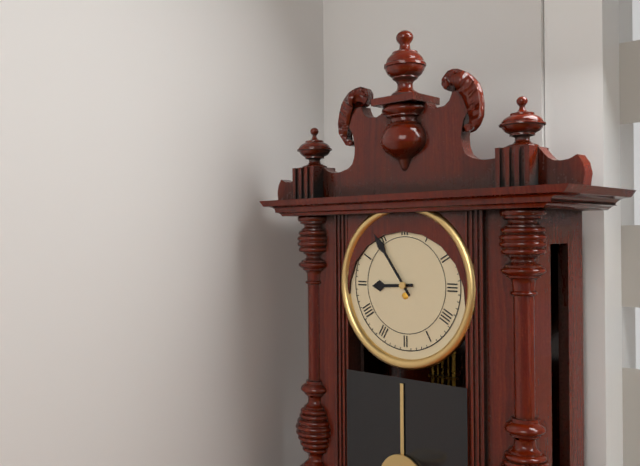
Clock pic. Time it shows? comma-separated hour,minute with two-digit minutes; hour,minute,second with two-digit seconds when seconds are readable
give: 8,54
